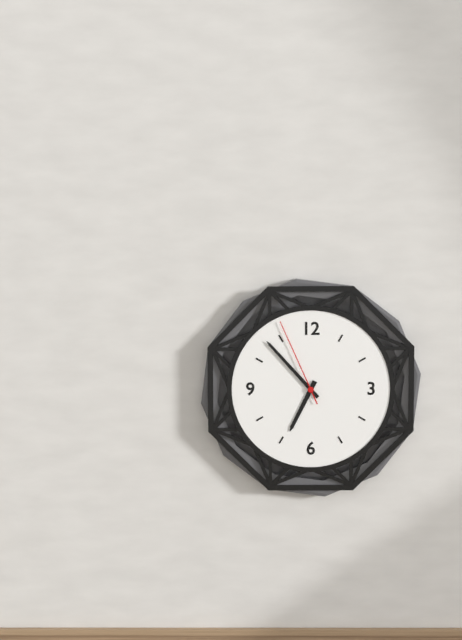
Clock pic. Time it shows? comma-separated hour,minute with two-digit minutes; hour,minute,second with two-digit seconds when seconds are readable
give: 6,53,56
